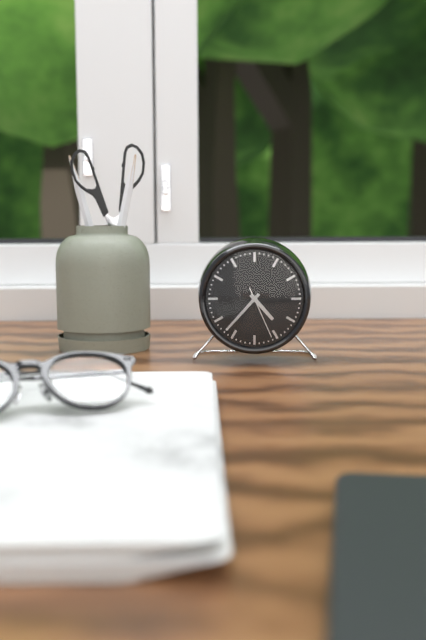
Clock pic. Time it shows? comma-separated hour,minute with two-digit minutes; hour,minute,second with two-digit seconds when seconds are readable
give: 4,37,26
